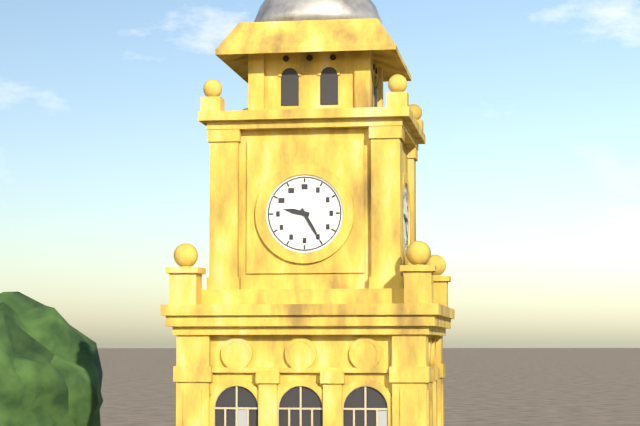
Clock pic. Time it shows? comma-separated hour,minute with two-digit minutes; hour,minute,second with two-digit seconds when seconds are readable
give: 9,25
